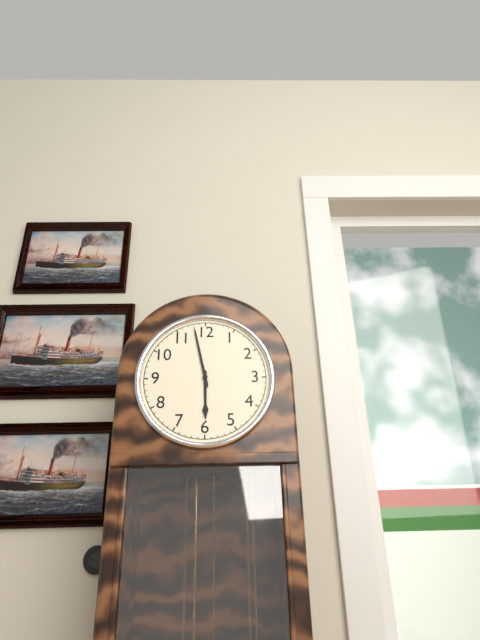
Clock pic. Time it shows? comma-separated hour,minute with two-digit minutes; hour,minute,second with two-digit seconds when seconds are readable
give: 5,58
